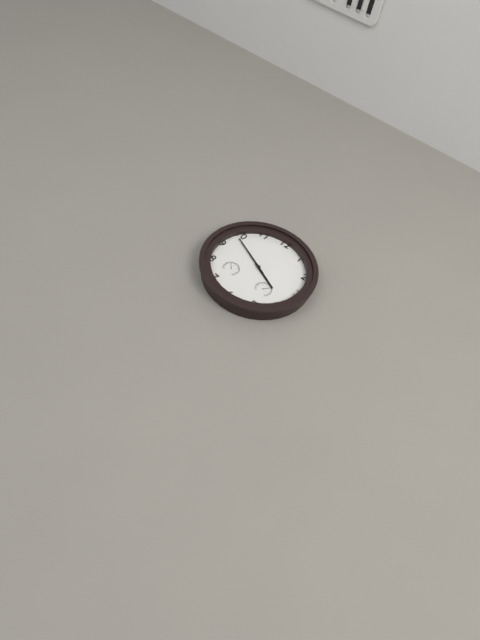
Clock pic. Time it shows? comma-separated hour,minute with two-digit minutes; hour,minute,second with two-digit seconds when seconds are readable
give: 3,49
